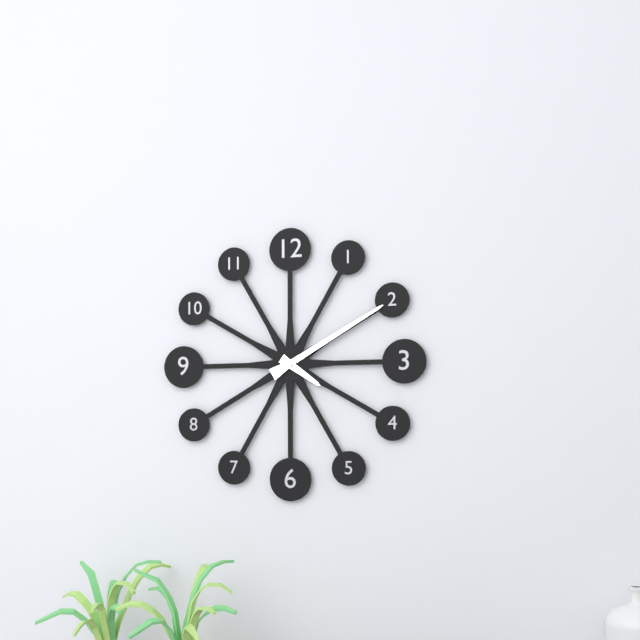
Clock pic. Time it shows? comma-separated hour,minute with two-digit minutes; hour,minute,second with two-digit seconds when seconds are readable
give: 4,10
